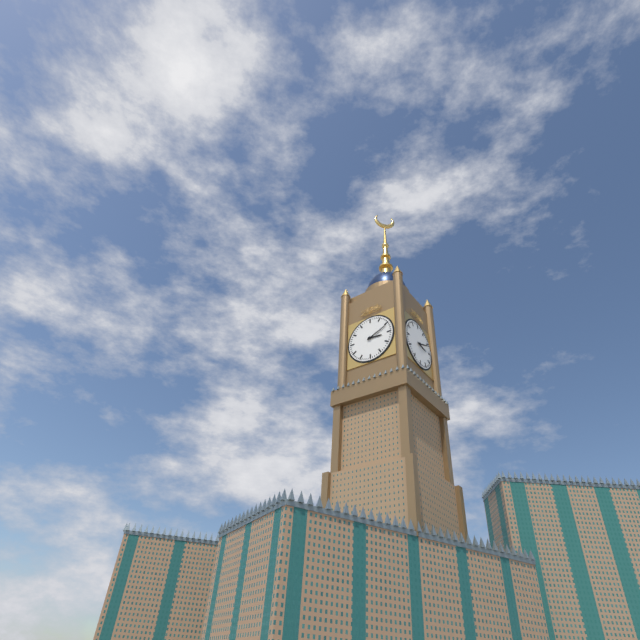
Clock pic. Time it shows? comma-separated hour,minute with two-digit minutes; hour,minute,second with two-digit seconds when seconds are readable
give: 3,11
